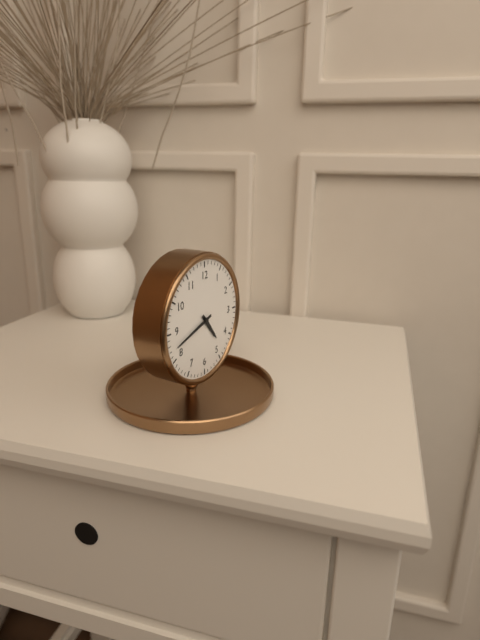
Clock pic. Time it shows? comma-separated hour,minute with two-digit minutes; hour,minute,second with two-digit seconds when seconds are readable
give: 4,42
